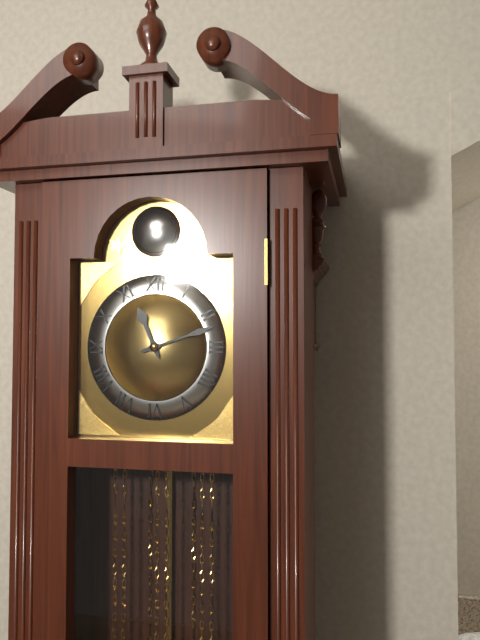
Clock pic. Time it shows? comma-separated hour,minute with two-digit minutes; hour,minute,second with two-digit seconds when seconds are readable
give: 11,12
